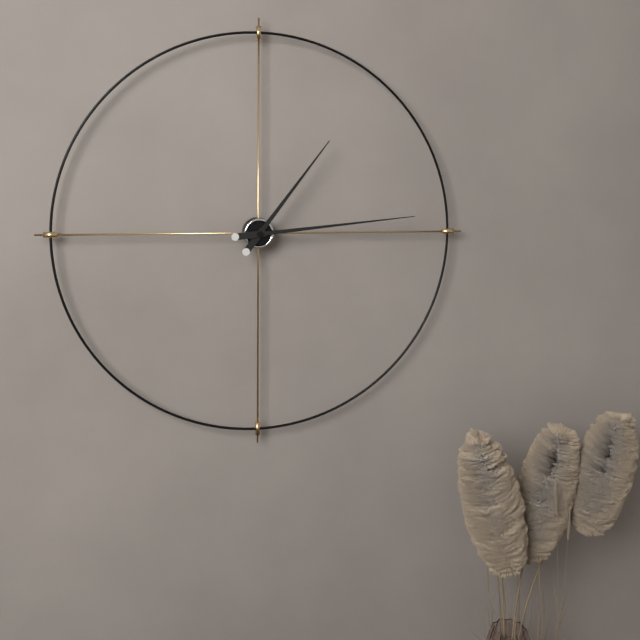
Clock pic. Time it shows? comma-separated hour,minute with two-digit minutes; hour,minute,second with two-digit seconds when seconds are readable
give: 1,14
